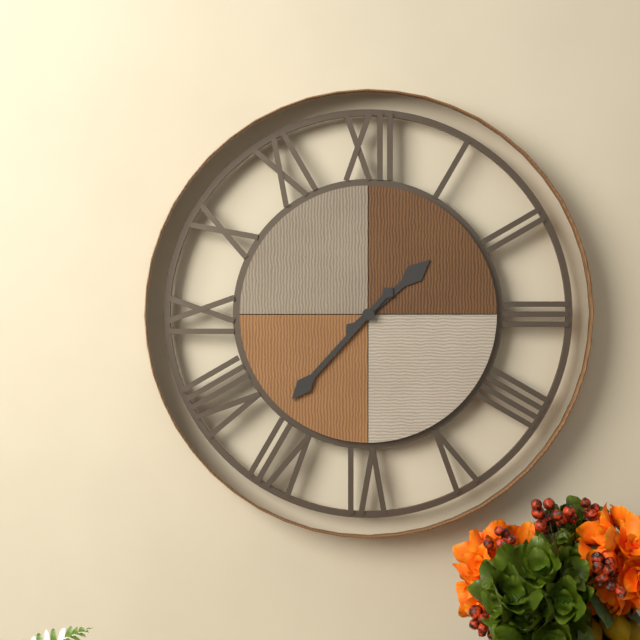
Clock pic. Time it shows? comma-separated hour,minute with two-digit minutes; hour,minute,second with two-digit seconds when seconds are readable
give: 1,37
